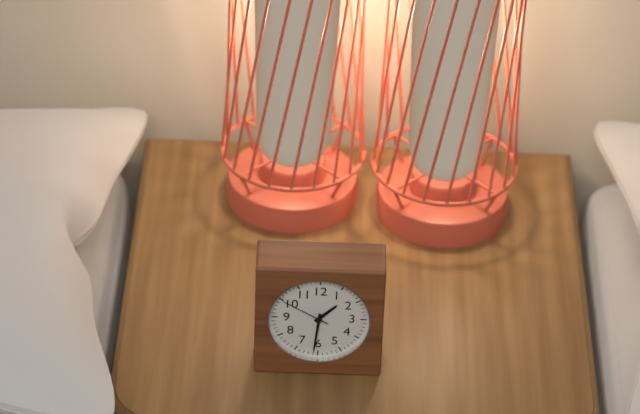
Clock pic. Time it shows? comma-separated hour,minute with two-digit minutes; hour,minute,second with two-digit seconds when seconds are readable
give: 1,31,50
